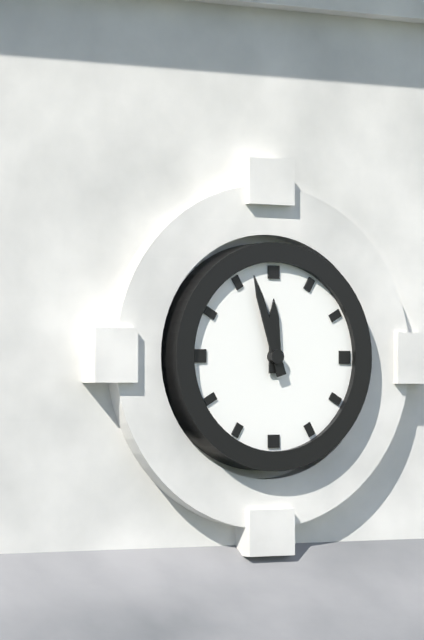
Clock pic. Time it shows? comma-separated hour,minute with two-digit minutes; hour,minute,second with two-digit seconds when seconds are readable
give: 11,57
